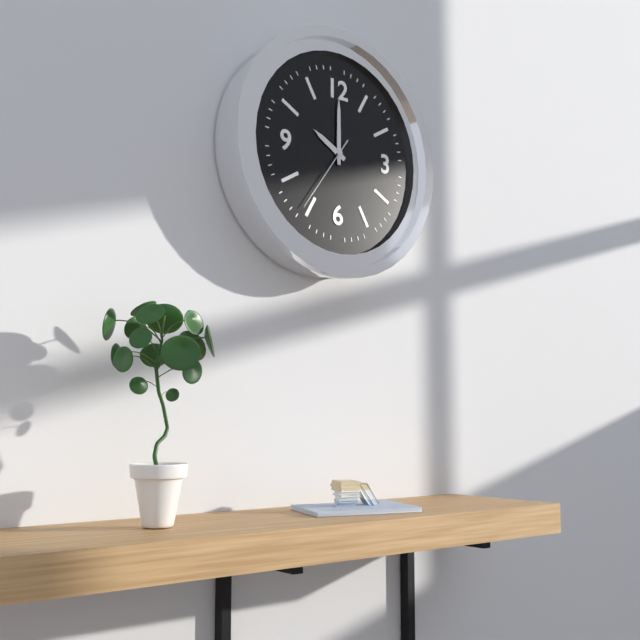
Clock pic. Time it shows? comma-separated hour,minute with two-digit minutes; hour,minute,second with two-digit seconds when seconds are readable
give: 10,00,36
